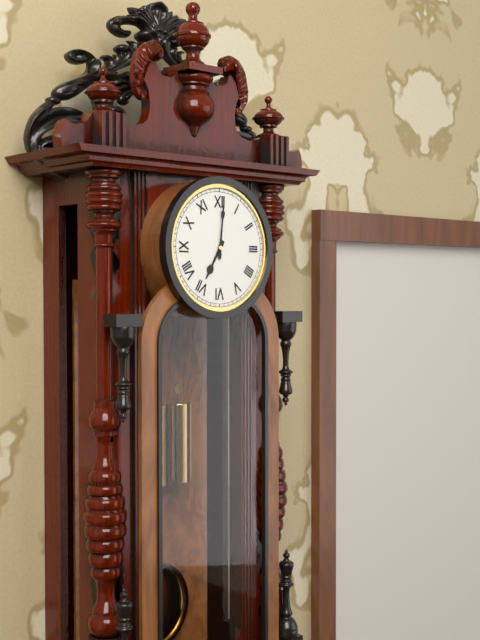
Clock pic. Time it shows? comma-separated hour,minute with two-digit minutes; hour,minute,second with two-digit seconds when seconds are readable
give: 7,01
